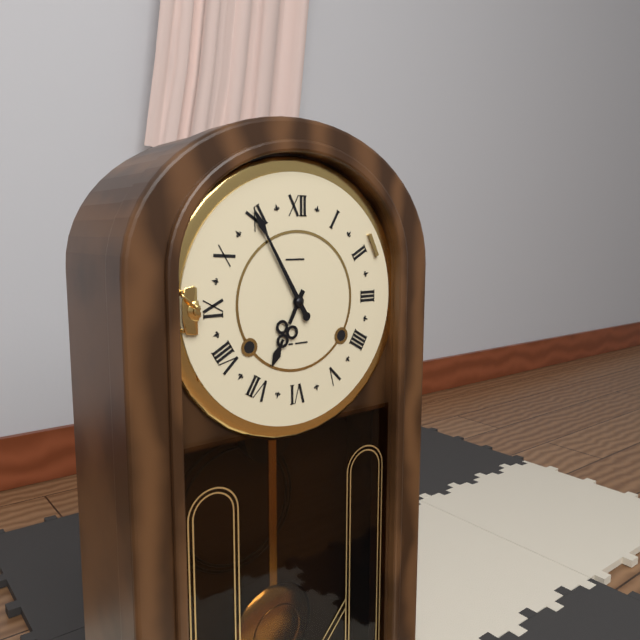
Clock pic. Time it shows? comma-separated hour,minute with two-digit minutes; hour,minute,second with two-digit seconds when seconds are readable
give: 6,55
